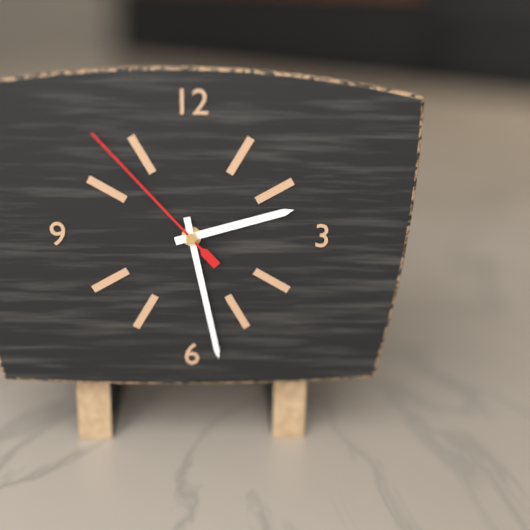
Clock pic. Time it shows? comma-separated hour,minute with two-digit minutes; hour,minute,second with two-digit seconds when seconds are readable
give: 2,28,53
